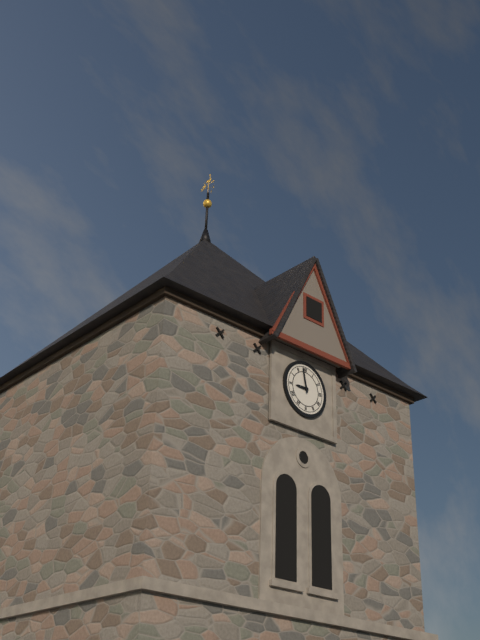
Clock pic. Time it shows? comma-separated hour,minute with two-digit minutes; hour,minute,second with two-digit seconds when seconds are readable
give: 8,58
